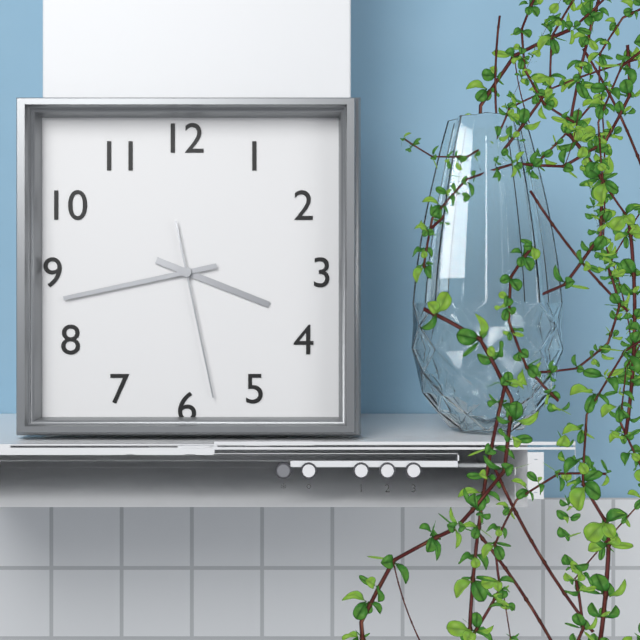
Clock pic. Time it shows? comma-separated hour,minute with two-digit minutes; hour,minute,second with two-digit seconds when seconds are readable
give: 3,43,28
